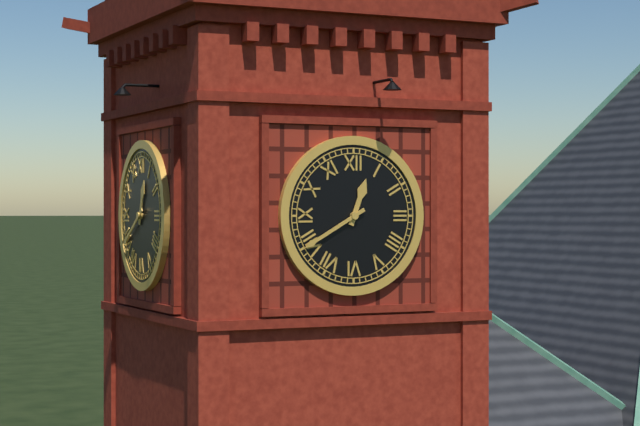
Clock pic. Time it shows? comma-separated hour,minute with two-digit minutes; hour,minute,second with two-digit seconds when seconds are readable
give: 12,40
